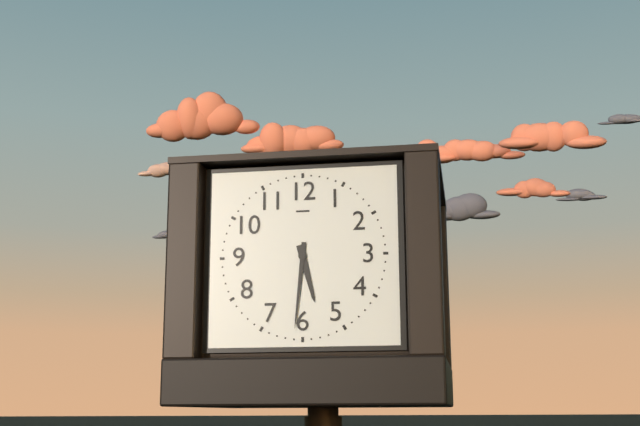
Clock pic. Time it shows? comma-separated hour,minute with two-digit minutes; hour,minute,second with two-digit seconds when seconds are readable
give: 5,31
